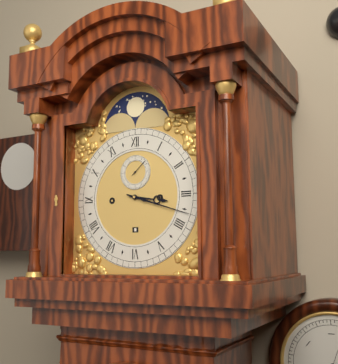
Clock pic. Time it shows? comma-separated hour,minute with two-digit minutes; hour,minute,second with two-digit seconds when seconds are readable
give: 3,18
